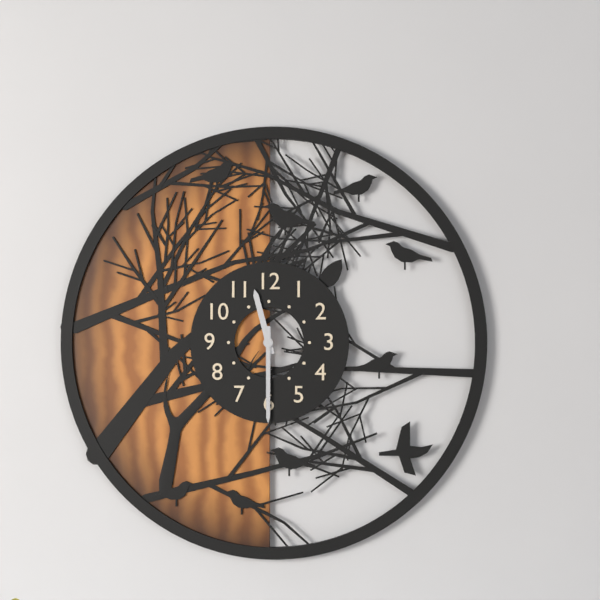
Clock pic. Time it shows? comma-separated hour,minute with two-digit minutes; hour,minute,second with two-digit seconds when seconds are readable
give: 11,30
